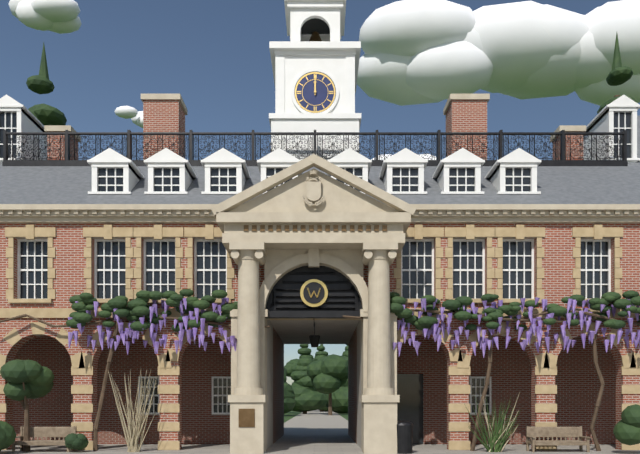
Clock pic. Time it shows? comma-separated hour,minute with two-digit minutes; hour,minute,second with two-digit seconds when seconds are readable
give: 12,00
